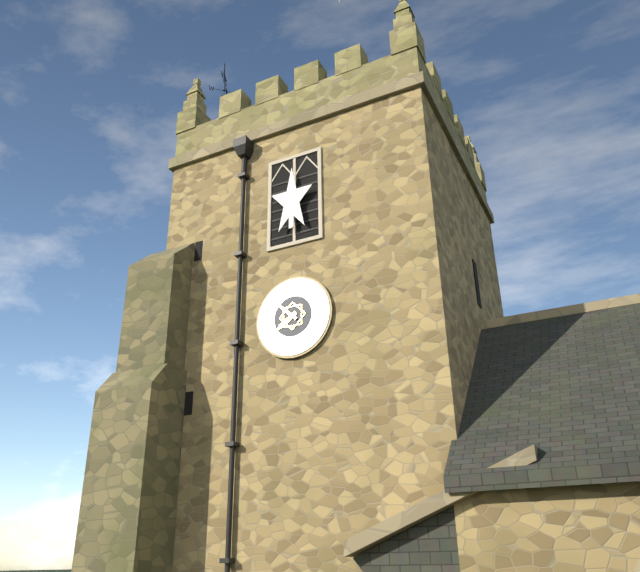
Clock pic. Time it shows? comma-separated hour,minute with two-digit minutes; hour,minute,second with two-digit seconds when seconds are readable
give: 7,52
